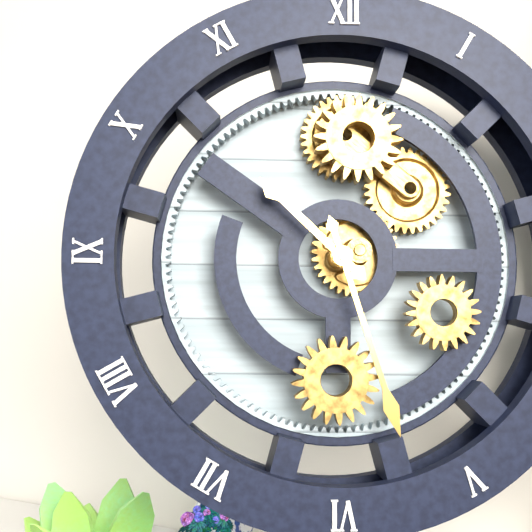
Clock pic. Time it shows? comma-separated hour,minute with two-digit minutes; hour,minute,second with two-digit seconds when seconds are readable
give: 10,27
